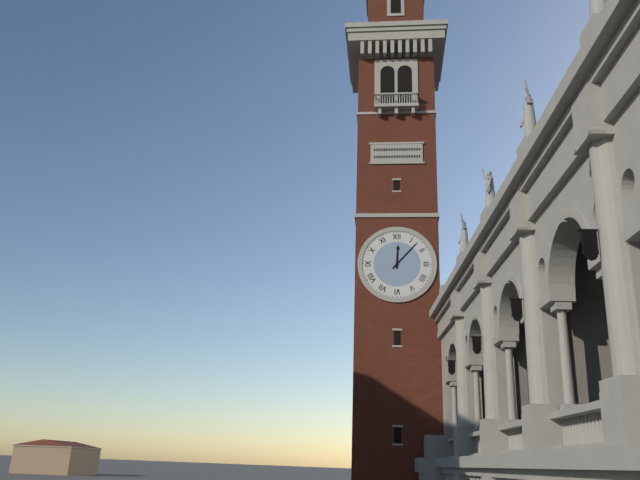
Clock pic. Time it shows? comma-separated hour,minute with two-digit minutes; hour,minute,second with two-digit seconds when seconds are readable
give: 12,07
